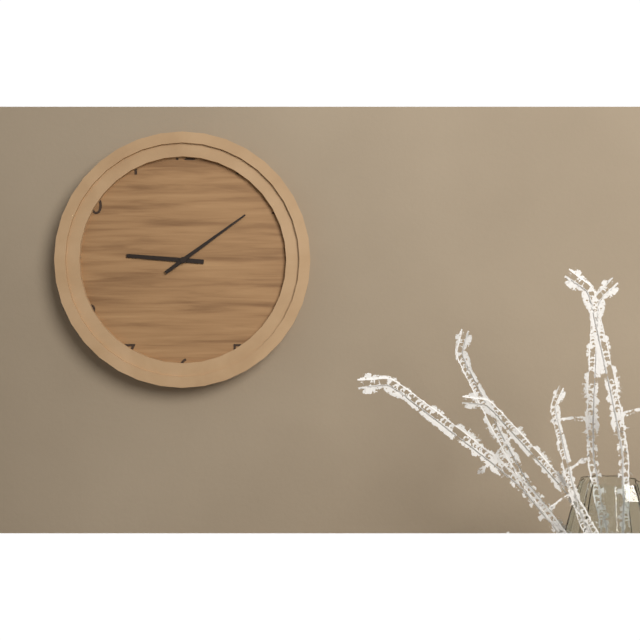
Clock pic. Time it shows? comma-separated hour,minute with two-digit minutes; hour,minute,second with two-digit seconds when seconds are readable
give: 9,09
